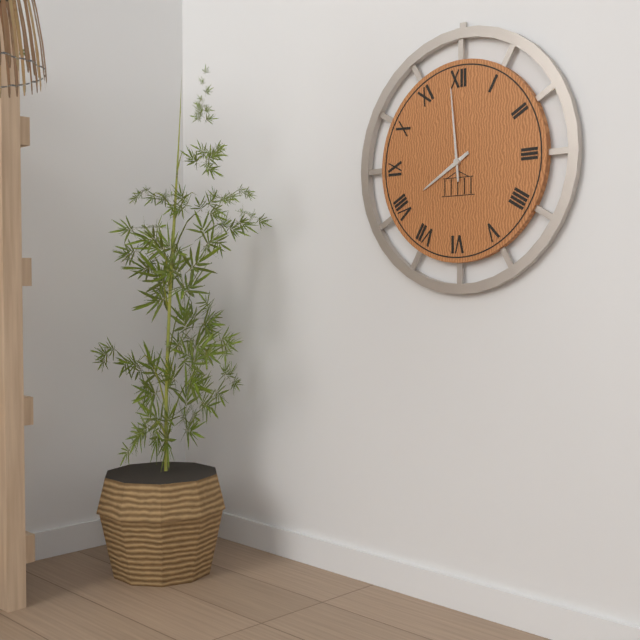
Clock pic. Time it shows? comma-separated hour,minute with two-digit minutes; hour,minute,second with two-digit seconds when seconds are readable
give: 7,59
